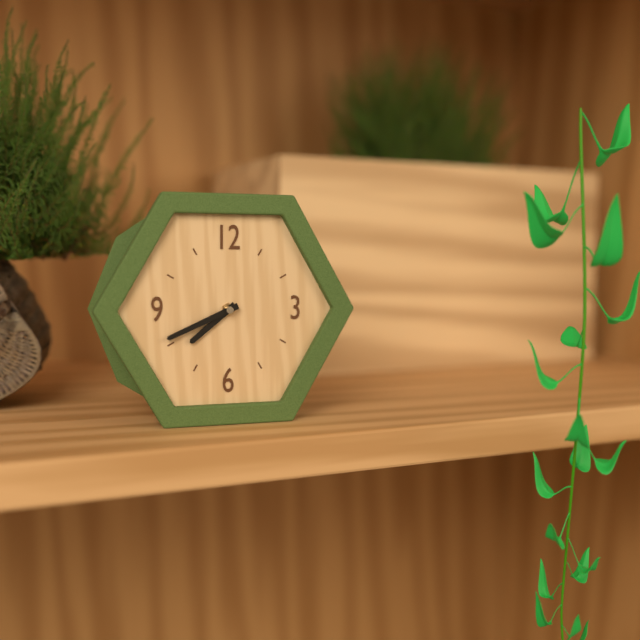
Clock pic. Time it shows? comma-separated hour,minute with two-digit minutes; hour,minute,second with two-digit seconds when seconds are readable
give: 7,41
